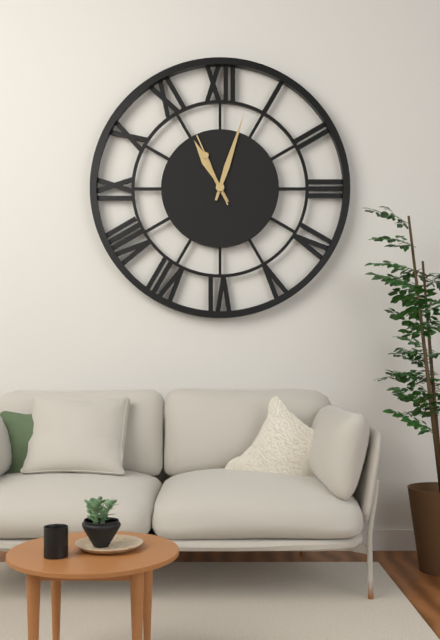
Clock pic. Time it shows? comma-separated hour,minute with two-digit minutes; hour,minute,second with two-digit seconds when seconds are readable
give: 11,03,56
